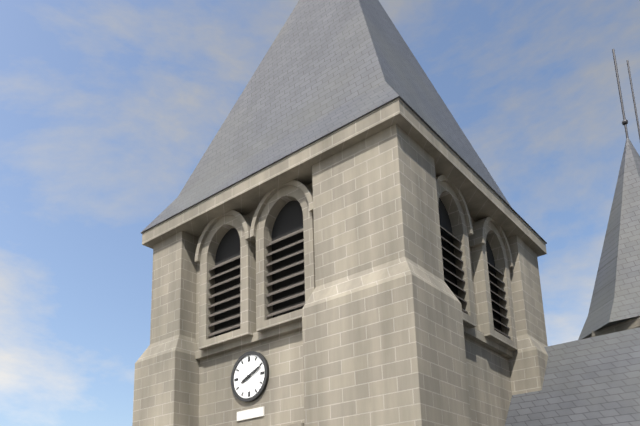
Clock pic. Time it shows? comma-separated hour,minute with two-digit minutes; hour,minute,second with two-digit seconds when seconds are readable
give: 8,11
